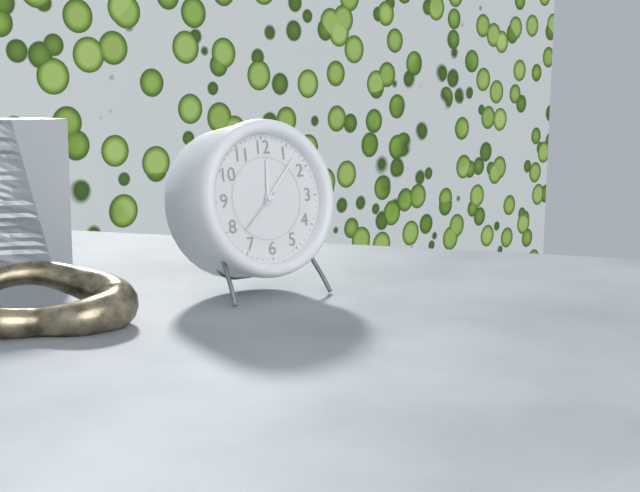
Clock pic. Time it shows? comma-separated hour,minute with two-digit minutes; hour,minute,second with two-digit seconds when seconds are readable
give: 12,07,38
